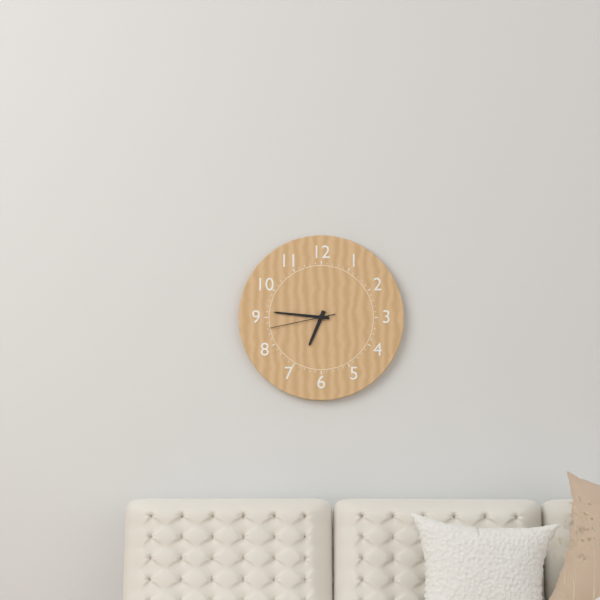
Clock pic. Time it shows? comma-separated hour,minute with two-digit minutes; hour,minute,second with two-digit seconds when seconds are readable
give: 6,46,43
